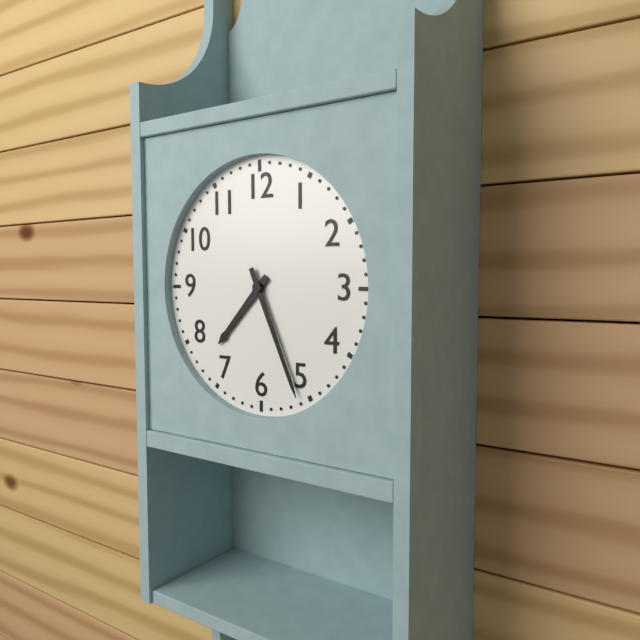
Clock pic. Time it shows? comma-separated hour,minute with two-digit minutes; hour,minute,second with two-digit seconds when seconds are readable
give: 7,26
